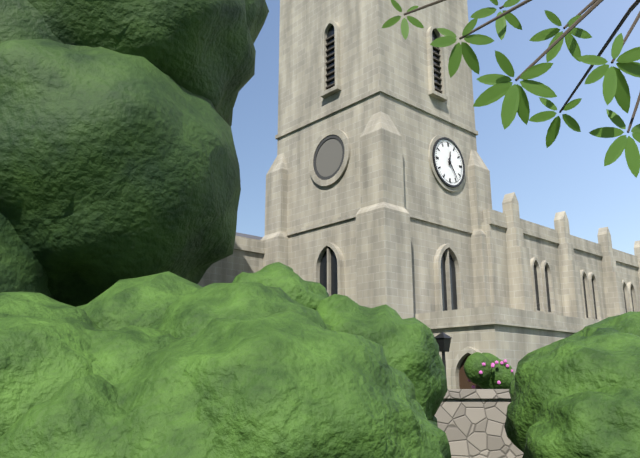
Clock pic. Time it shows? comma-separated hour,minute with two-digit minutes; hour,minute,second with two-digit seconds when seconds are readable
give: 12,24
